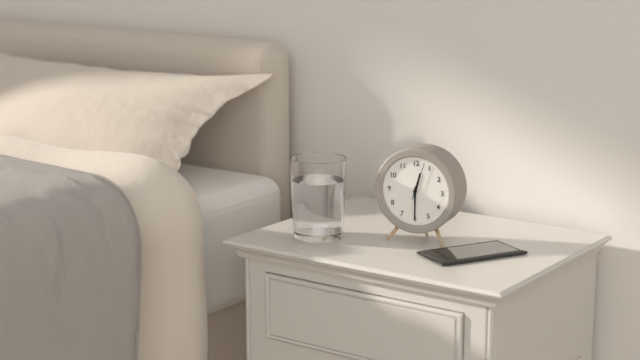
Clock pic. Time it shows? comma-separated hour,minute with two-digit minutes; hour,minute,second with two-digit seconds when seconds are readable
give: 12,30
